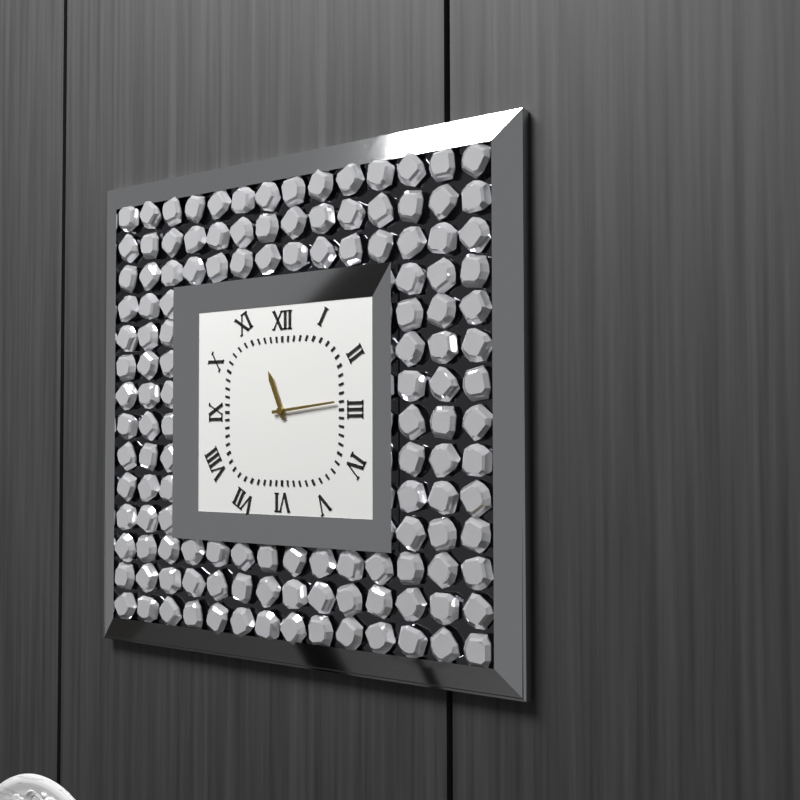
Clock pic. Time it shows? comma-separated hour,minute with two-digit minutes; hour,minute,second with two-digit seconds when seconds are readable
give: 11,14
